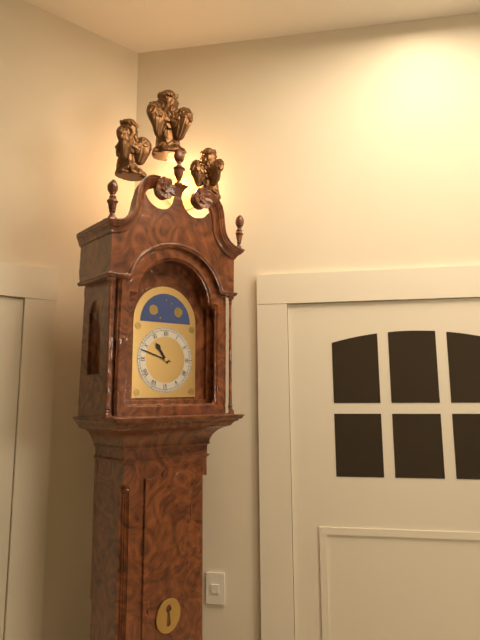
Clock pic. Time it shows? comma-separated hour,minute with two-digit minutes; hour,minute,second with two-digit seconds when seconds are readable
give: 10,48
